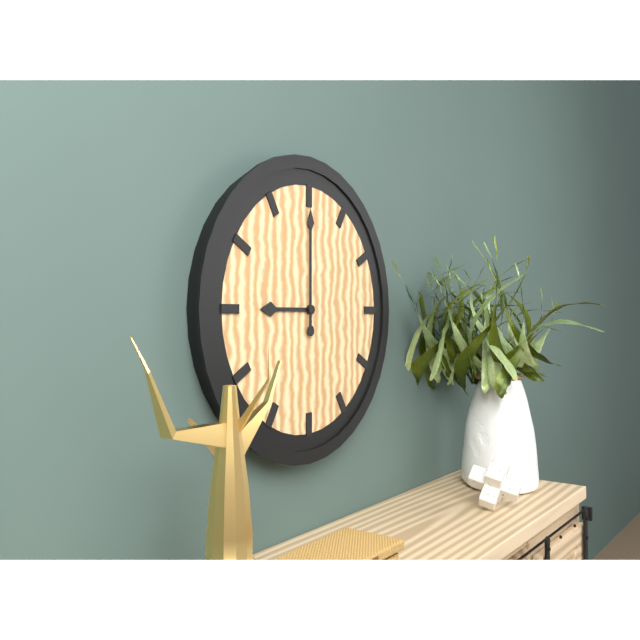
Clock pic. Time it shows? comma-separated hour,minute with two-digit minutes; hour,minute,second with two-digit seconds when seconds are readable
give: 9,00
